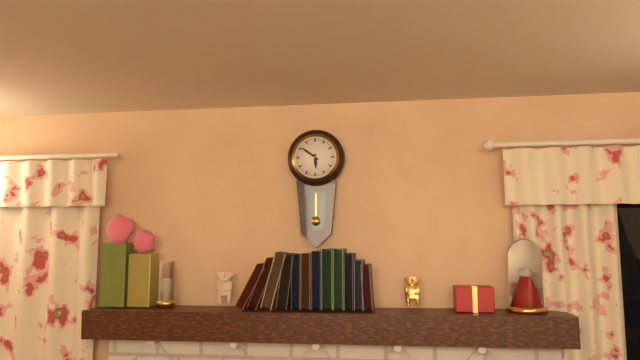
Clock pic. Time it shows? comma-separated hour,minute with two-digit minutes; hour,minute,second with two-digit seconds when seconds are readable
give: 5,51
